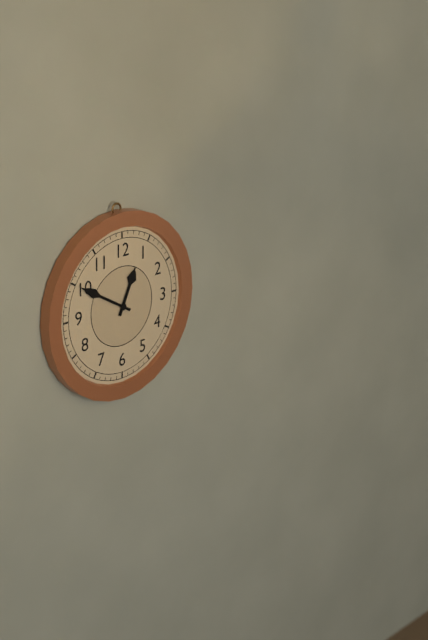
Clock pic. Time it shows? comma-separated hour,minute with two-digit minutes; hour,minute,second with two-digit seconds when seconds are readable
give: 12,50
